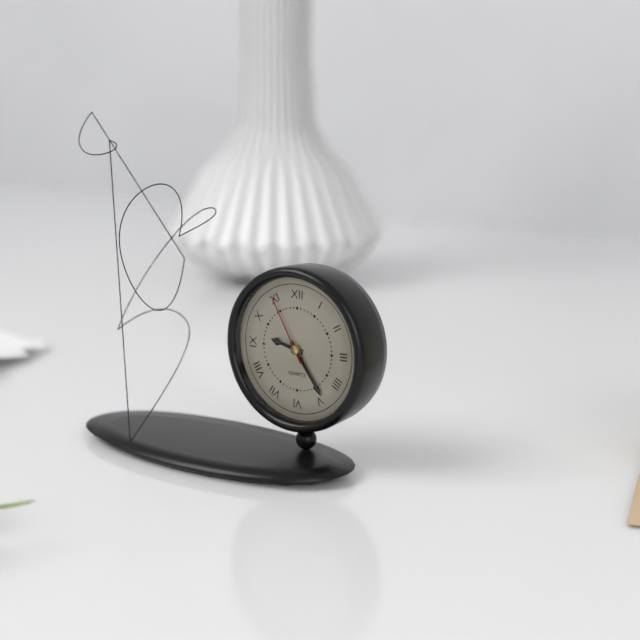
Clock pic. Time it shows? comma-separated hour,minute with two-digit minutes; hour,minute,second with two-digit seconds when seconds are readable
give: 9,24,55
